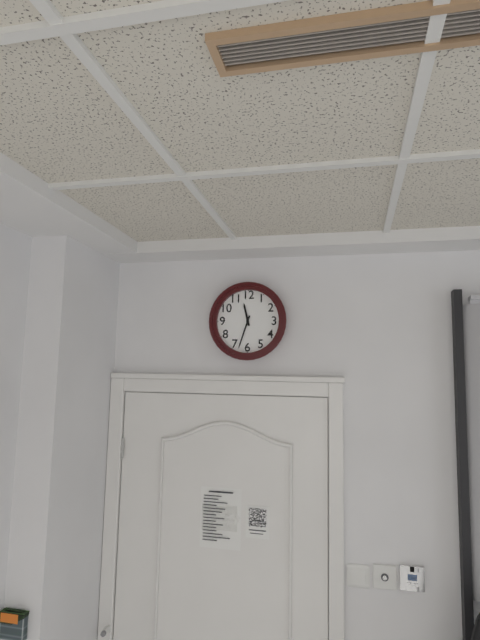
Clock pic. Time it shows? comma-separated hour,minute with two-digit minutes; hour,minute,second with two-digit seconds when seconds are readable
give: 11,33
